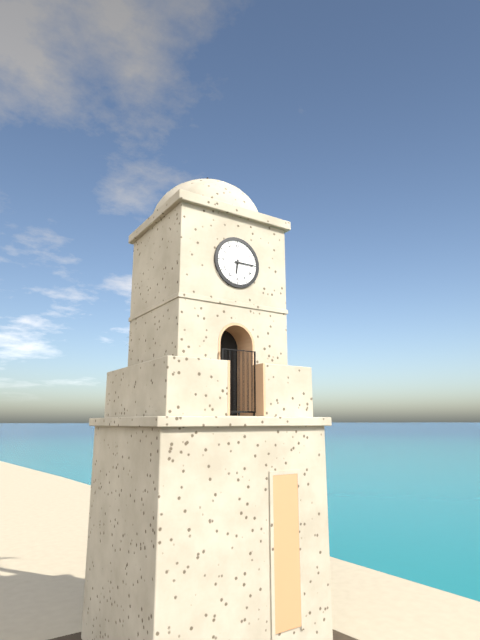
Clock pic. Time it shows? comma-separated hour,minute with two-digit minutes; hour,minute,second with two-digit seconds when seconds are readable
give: 6,15
